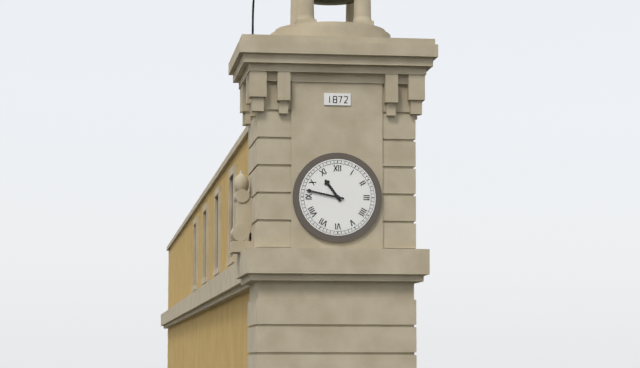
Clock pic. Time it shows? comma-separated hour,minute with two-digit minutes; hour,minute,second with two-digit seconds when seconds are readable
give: 10,47
